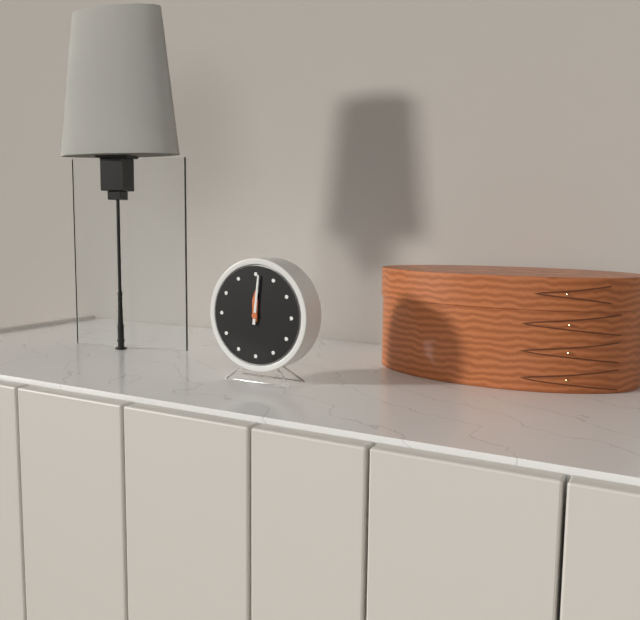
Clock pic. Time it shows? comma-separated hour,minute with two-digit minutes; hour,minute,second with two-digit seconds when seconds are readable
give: 12,01
